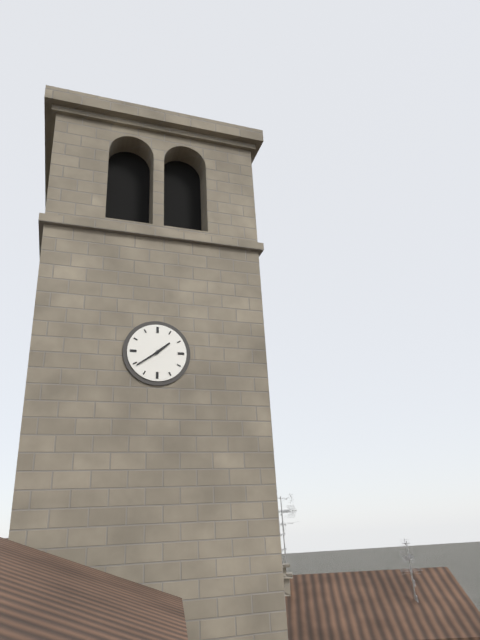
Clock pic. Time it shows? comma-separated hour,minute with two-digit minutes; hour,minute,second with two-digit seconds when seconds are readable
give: 1,39
